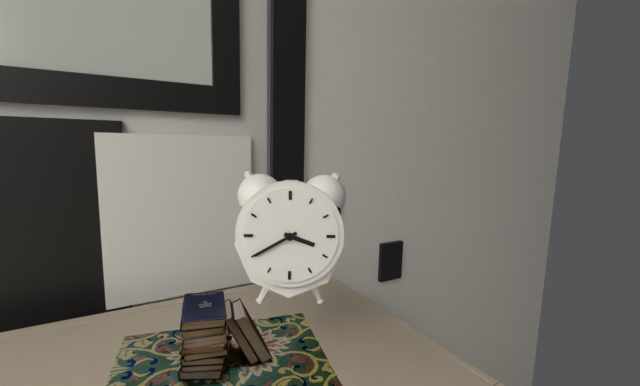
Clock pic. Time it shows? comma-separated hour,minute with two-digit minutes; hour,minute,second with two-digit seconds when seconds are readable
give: 3,40
